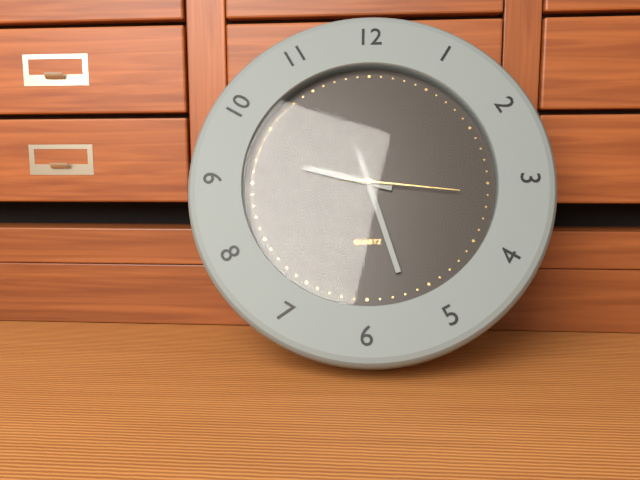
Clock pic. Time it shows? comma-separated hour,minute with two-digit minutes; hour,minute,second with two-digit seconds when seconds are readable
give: 9,27,16
